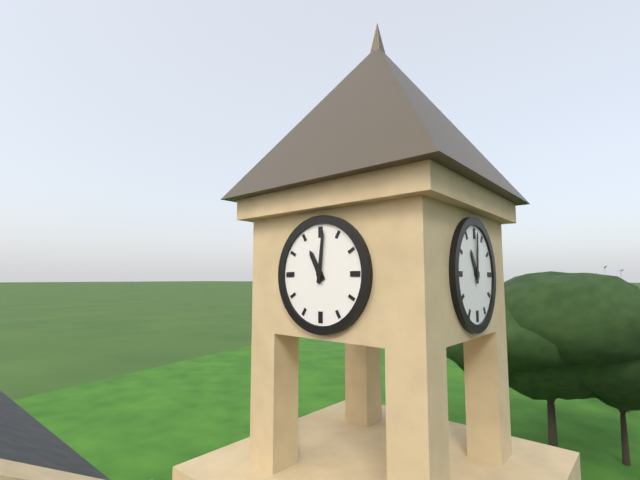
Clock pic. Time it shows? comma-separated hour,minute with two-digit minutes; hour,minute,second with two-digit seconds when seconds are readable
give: 11,01
